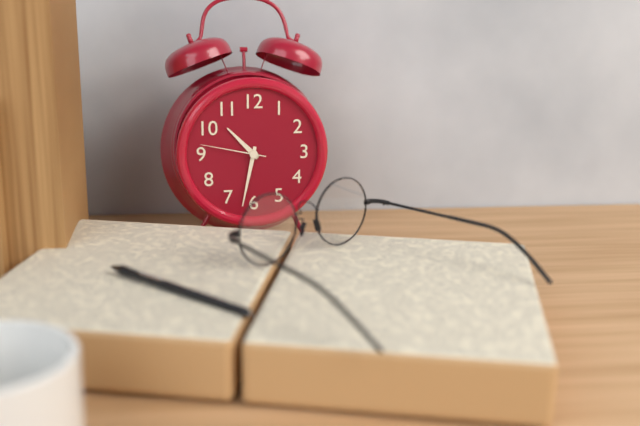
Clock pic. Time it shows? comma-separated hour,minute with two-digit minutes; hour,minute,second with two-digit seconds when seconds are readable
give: 10,32,47
